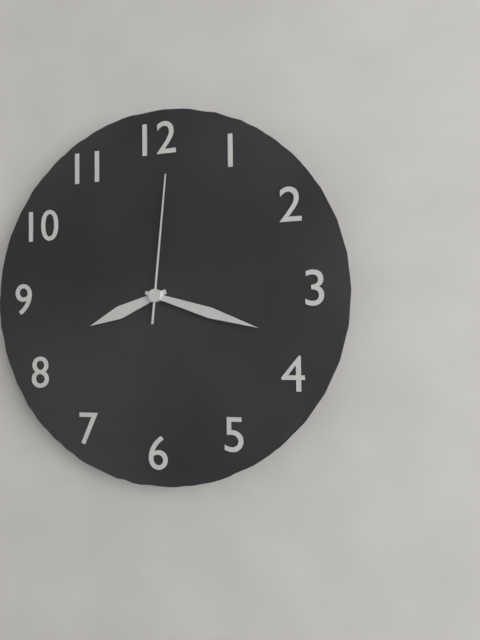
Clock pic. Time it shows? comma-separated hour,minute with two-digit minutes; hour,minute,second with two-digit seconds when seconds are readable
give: 8,18,01
